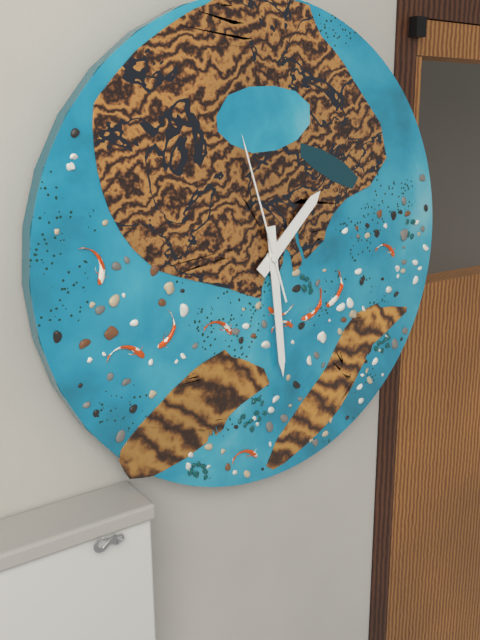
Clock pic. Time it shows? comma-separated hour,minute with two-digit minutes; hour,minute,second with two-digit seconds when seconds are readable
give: 1,29,57
